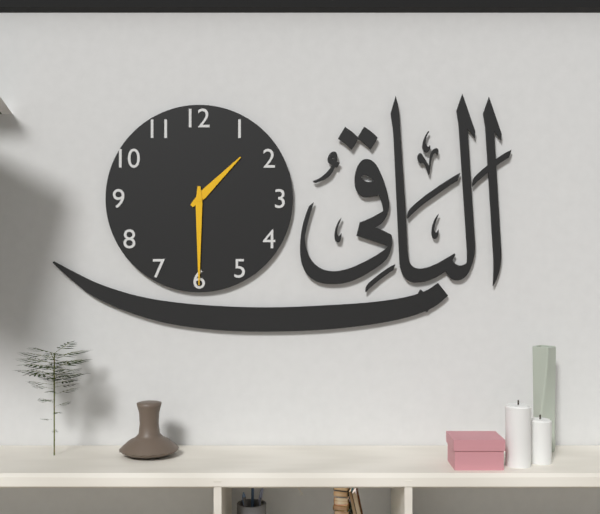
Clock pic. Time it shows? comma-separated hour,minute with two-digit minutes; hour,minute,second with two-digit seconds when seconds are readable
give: 1,30
